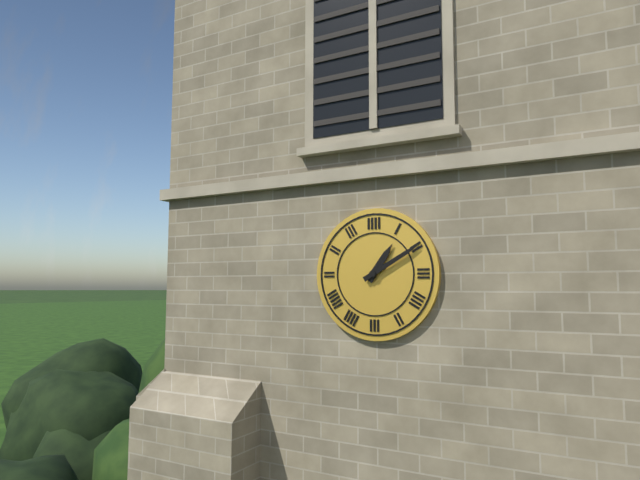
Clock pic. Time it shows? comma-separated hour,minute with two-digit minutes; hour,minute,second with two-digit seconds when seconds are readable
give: 1,10
